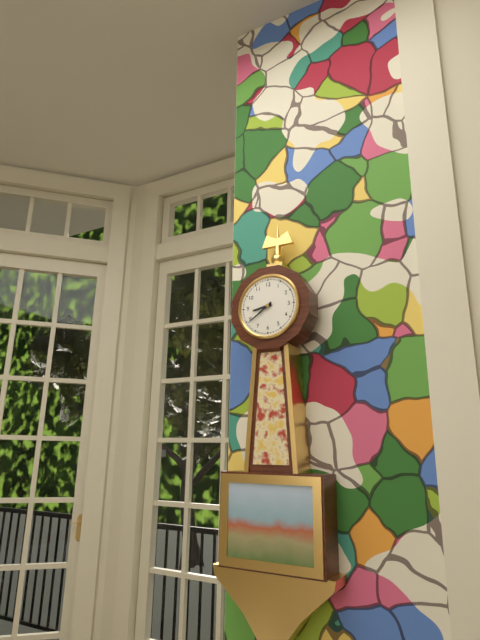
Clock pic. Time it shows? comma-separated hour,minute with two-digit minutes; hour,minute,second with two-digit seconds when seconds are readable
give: 8,39
